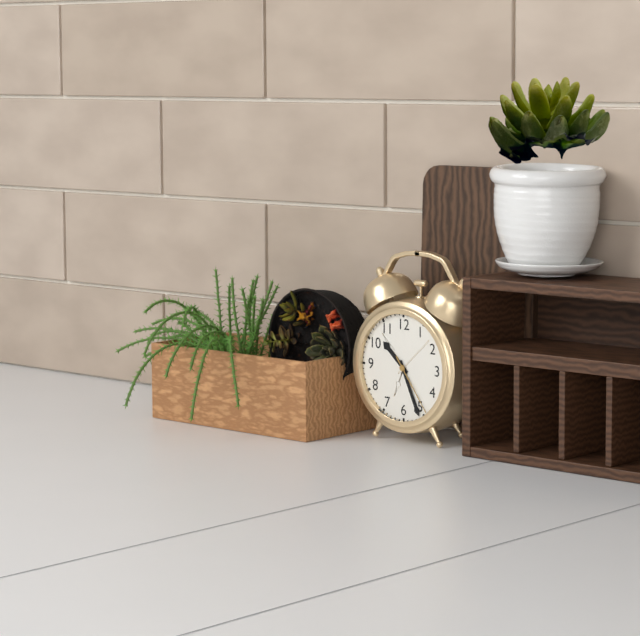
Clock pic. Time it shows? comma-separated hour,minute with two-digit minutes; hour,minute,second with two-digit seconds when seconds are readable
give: 10,26,24
